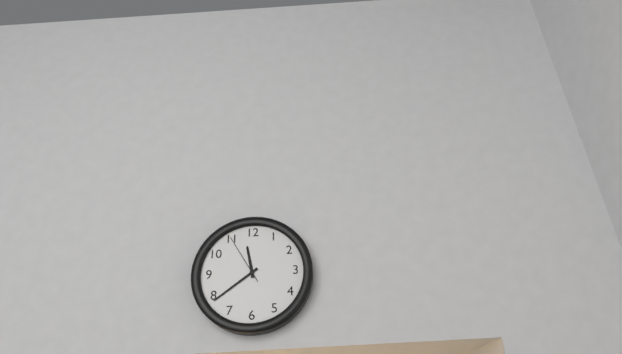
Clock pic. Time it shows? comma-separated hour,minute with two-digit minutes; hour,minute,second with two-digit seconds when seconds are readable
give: 11,39,55
